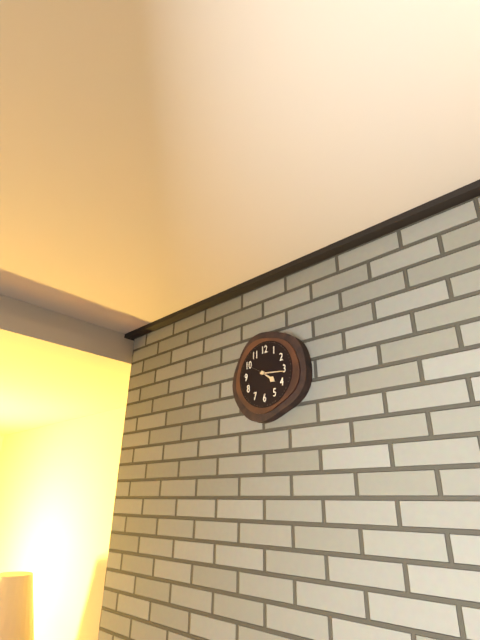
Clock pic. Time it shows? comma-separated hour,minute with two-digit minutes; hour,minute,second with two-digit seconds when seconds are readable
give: 4,16
